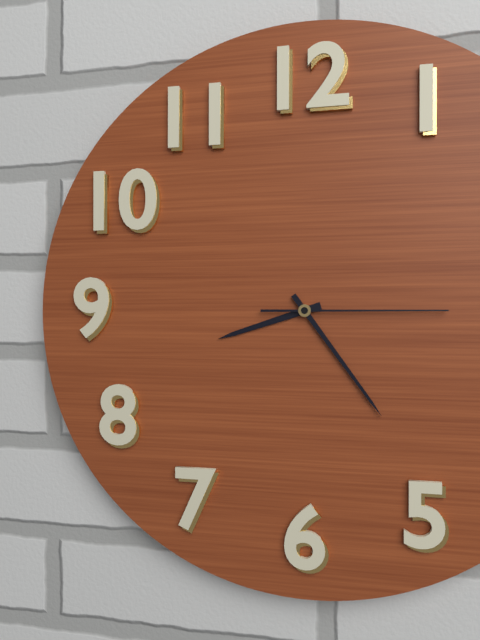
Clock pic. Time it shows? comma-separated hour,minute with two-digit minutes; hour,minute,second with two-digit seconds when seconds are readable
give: 8,24,15
